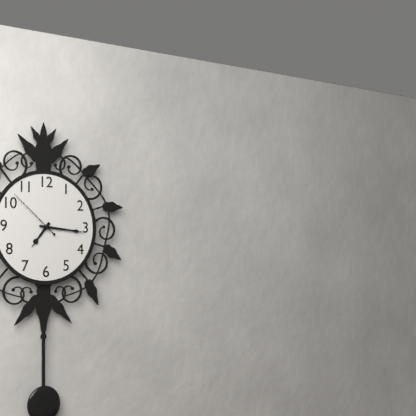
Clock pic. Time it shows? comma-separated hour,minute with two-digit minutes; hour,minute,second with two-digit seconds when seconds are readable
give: 7,16,52
